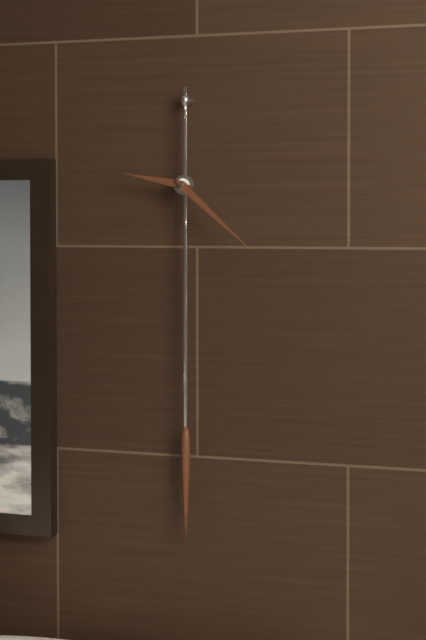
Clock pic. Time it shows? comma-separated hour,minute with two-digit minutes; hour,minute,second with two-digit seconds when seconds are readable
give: 9,22
